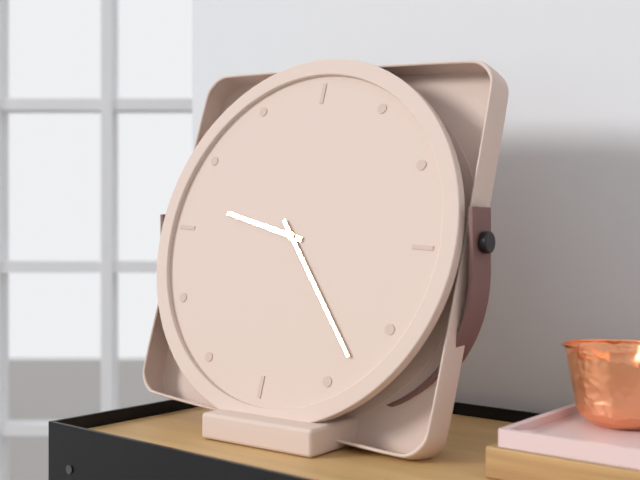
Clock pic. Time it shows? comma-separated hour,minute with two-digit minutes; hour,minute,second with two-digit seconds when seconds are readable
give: 9,23
